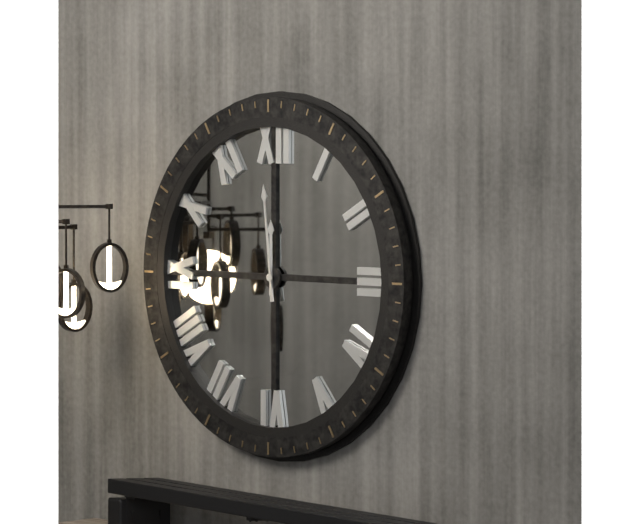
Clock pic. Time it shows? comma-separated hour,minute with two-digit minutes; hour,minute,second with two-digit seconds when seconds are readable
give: 11,59
